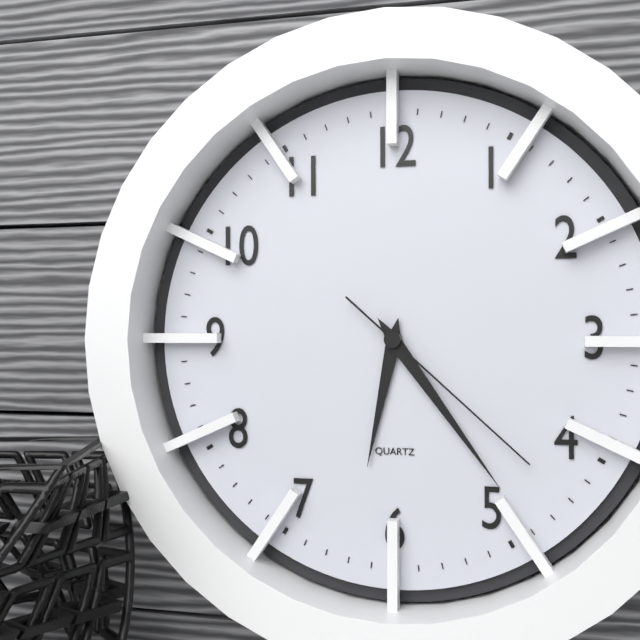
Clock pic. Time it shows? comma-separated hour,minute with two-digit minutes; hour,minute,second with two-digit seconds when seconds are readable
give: 6,24,22
